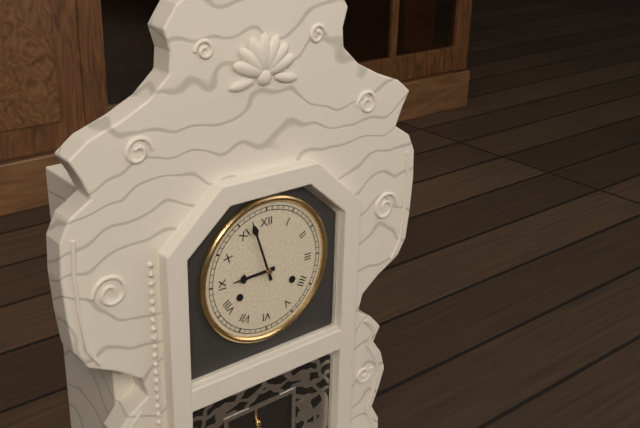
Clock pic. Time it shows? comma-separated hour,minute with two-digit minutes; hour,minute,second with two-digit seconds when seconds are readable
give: 8,57
